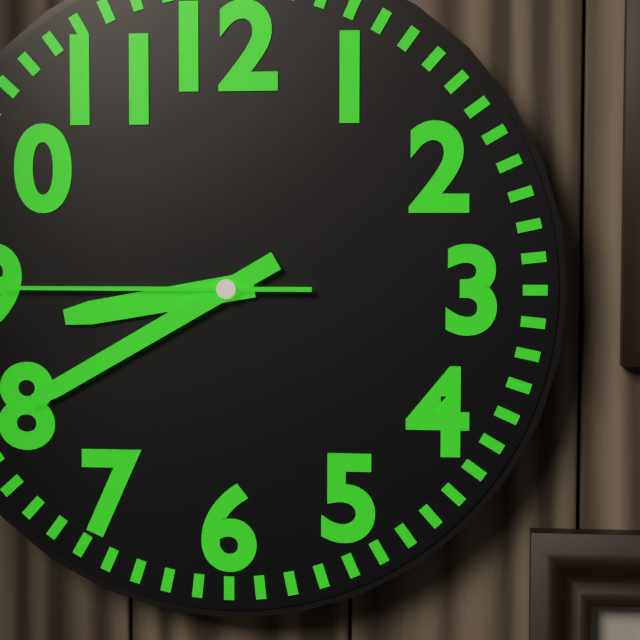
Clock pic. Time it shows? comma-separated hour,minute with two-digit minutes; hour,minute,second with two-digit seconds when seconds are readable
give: 8,40
